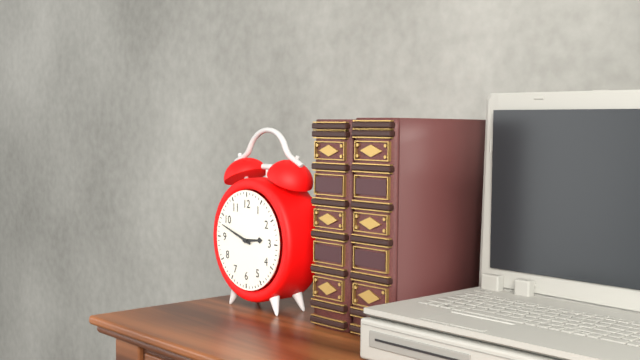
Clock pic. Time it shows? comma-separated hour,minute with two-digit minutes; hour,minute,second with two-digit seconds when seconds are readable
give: 2,48
